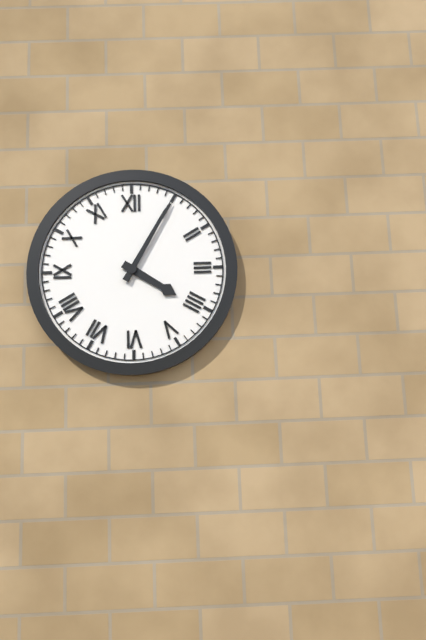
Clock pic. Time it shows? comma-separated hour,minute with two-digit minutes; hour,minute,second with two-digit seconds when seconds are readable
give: 4,05
